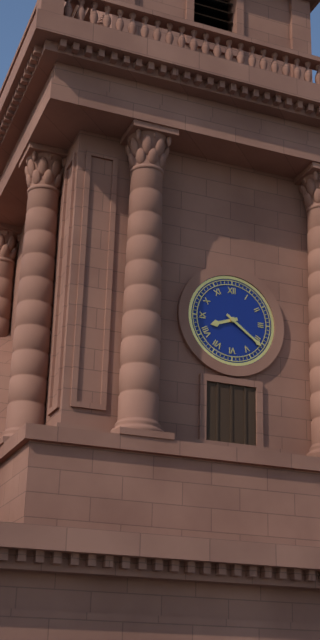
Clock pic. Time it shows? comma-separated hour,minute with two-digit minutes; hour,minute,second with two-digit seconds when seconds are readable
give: 8,21
